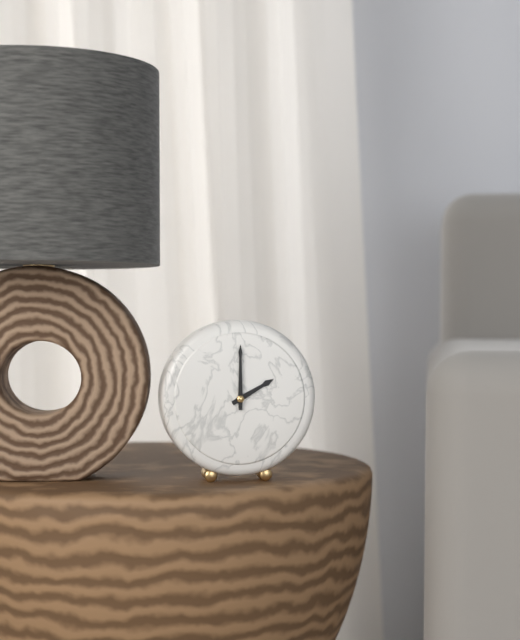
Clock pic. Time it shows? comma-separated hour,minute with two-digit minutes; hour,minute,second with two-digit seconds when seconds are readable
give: 2,00
